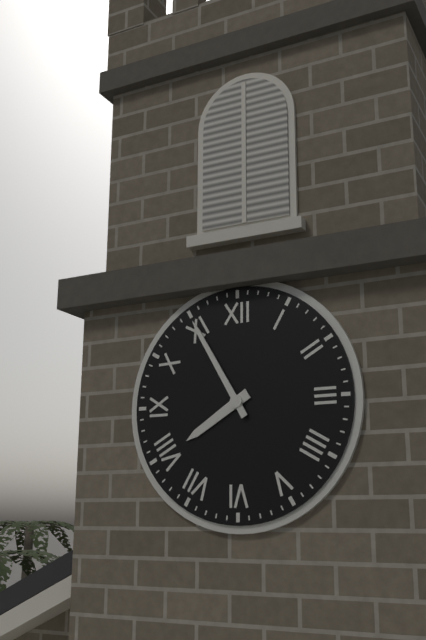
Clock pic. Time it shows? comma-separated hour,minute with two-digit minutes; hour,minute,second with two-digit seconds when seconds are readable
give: 7,55
